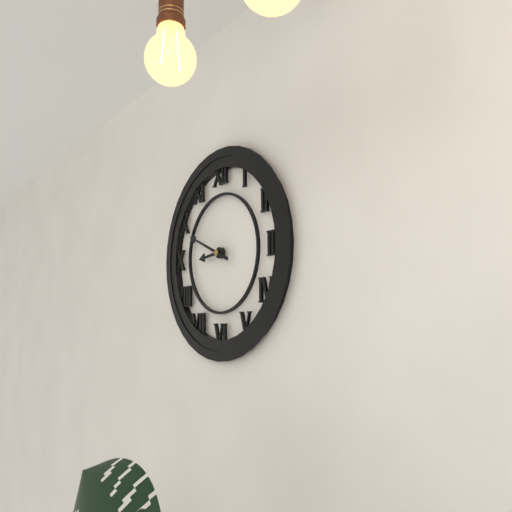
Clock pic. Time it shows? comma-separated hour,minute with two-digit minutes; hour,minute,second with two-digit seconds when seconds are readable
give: 8,49
